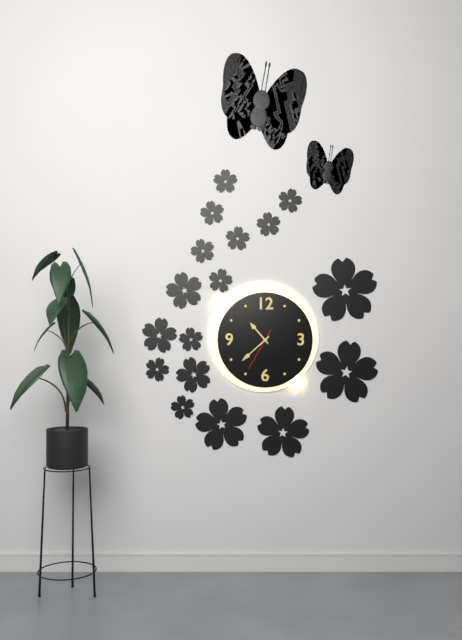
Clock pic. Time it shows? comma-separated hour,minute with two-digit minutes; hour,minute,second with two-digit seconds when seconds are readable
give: 10,38
